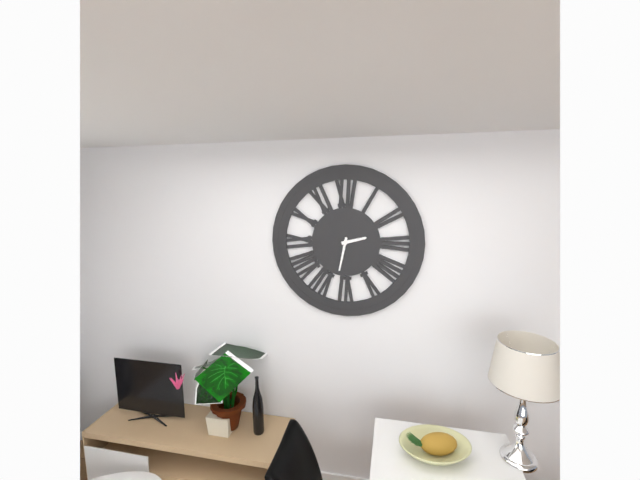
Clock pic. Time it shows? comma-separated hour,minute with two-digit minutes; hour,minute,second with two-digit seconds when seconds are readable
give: 2,32
